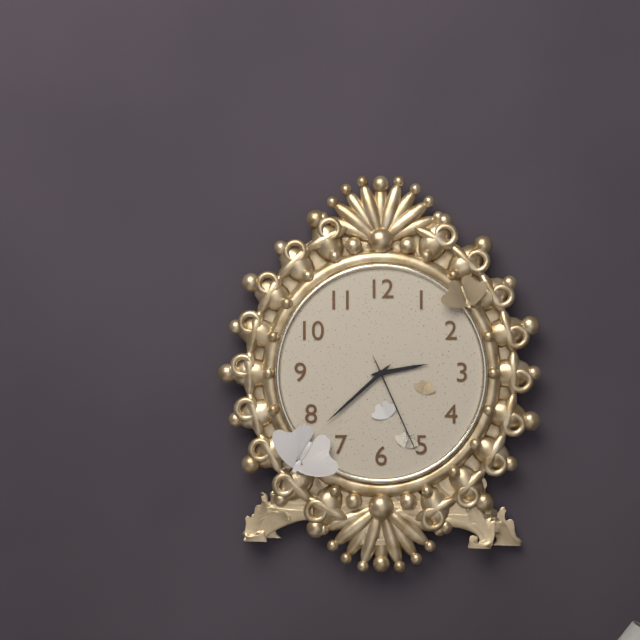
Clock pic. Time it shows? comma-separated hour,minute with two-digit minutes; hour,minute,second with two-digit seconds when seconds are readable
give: 2,38,26
